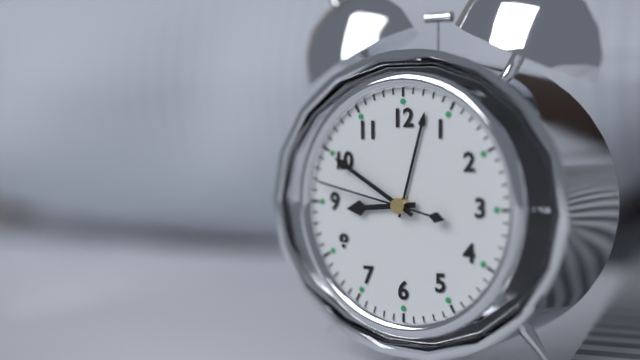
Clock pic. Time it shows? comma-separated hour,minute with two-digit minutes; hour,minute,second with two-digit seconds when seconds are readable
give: 8,50,47
